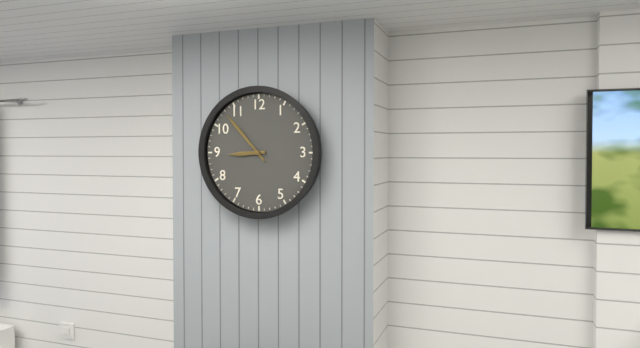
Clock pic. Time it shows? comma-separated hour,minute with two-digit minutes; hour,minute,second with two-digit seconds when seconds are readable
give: 8,53
